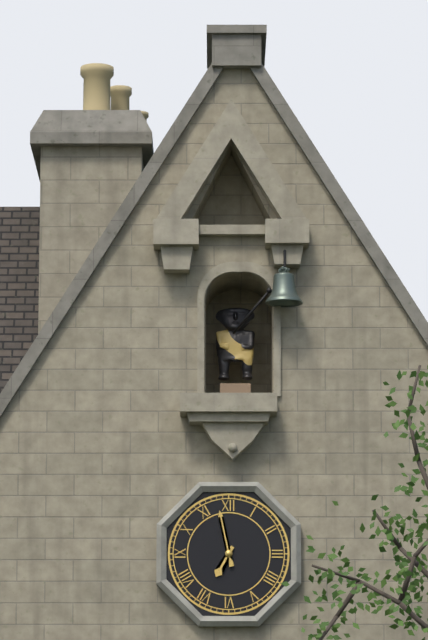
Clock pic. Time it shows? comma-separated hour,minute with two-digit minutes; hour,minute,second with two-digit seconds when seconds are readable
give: 6,58
